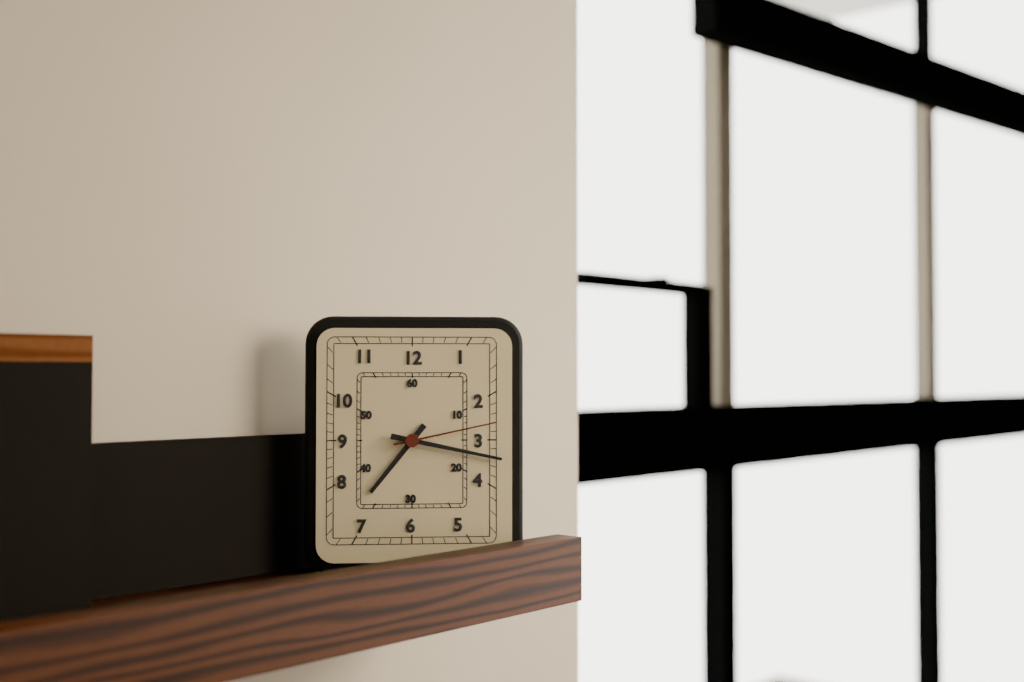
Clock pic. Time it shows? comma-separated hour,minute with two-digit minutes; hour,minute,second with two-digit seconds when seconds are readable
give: 7,17,13
